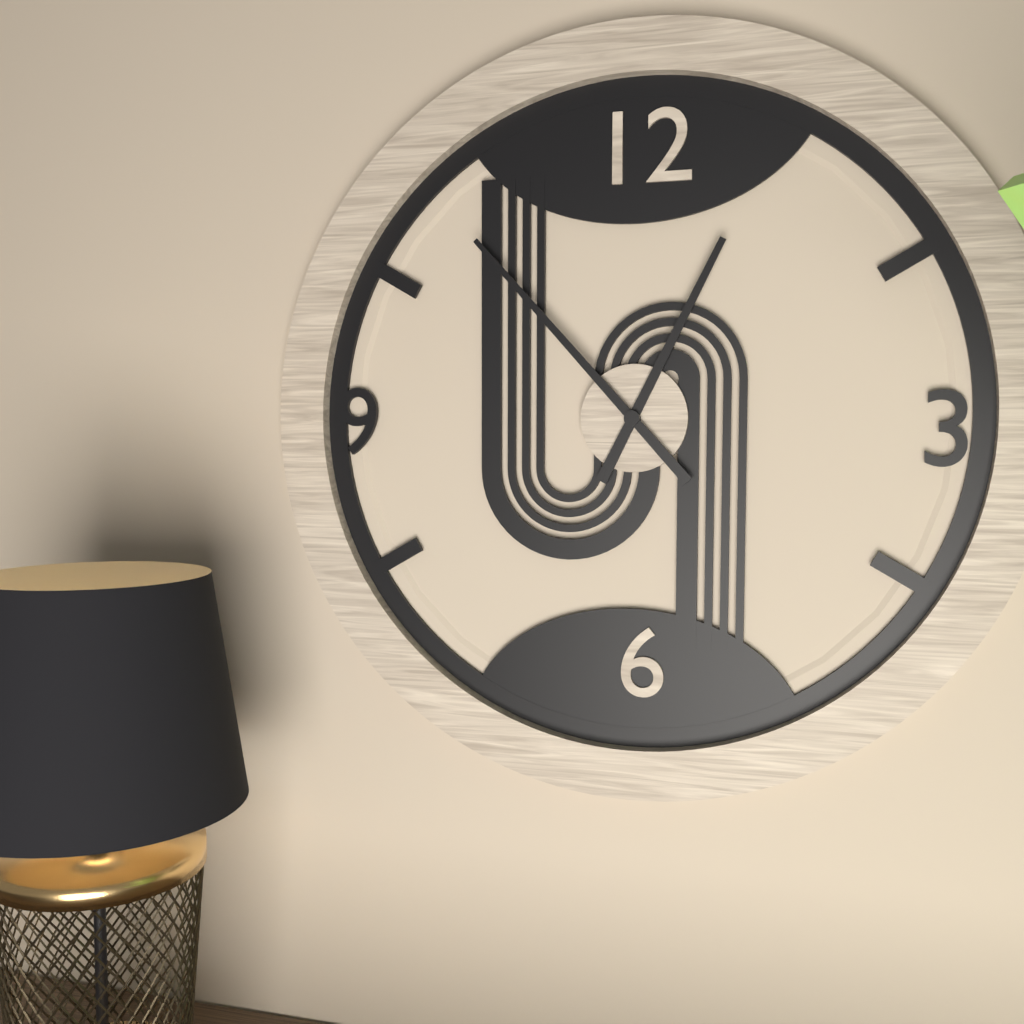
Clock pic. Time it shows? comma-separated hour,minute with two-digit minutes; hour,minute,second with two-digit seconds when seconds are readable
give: 12,53
